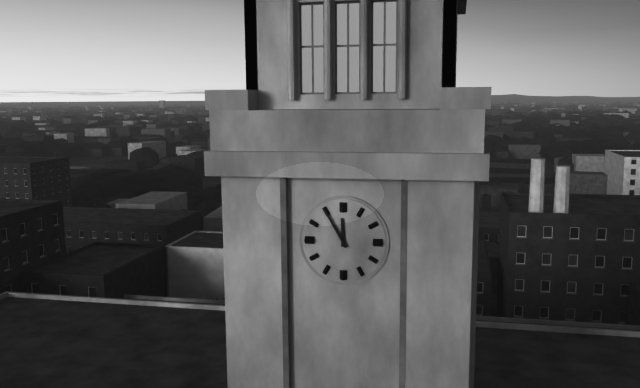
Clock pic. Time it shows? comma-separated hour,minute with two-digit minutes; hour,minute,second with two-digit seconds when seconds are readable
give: 11,55
